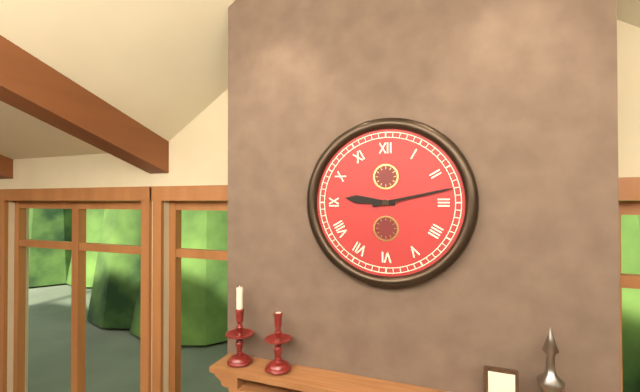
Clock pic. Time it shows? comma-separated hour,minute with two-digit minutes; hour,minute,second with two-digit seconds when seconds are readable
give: 9,13
